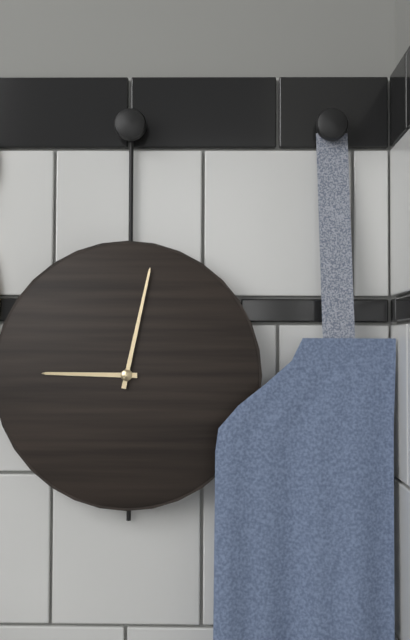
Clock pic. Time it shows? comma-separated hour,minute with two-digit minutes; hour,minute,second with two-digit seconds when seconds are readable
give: 9,02
